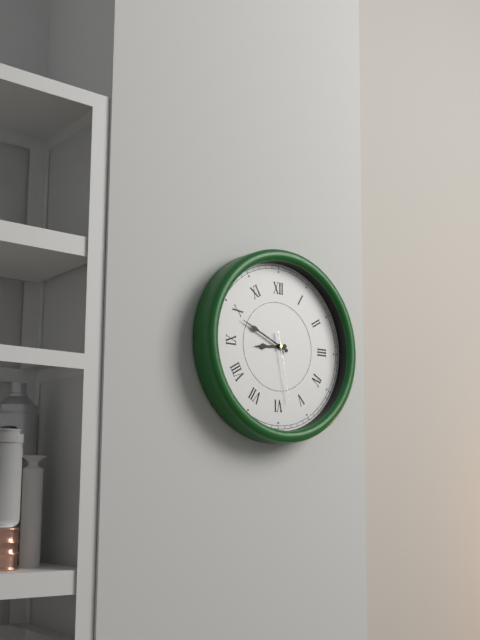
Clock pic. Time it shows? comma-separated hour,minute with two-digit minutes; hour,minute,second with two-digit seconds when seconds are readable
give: 8,49,28
